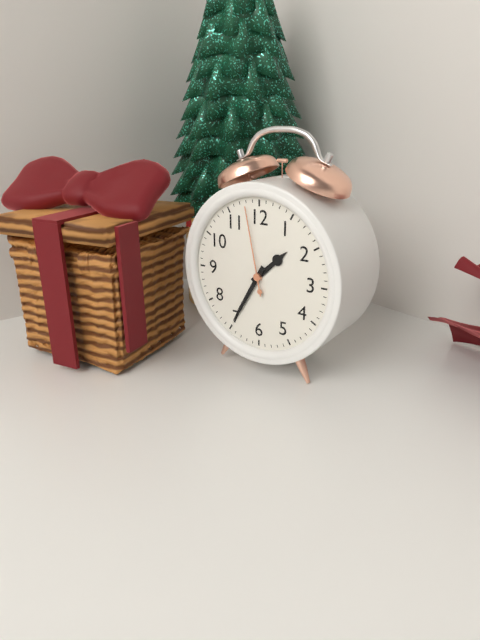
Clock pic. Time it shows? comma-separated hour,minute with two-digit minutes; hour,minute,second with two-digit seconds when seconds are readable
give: 1,35,58
